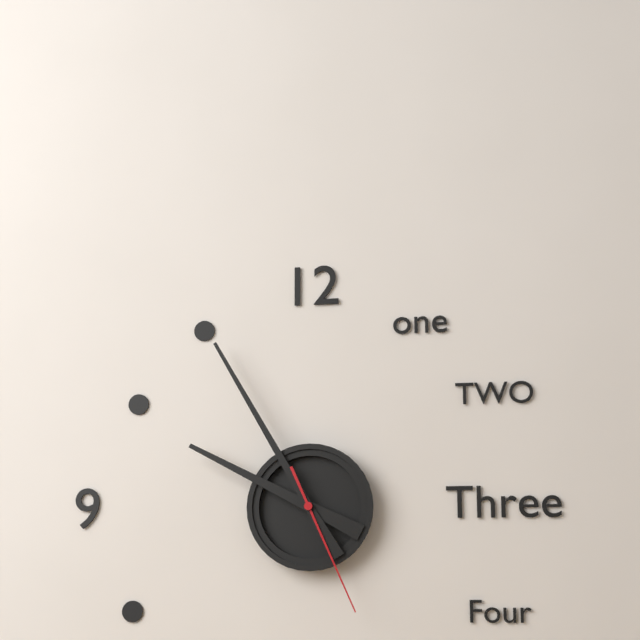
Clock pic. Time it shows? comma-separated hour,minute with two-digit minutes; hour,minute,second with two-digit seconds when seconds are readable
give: 9,55,26
